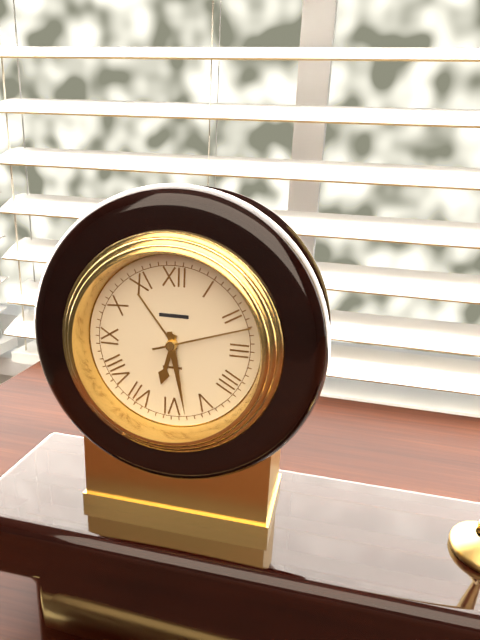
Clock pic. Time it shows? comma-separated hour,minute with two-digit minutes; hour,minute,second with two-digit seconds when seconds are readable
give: 6,28,12
